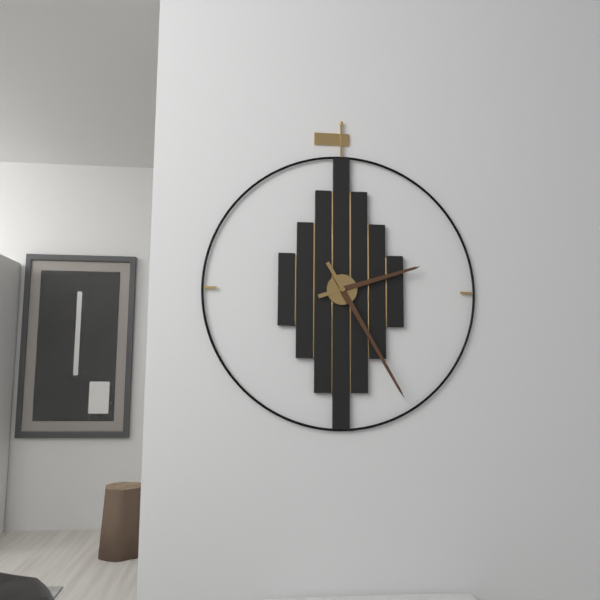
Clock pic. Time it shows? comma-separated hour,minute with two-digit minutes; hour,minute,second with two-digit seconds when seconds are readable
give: 2,25
